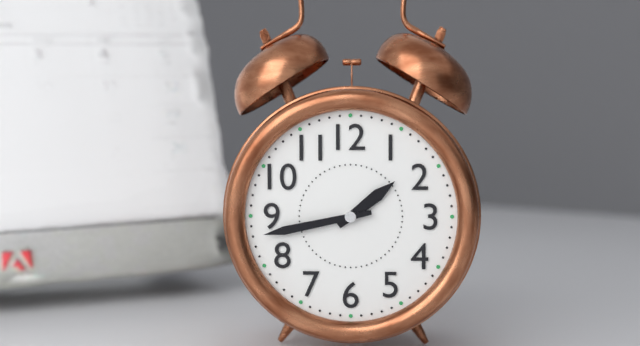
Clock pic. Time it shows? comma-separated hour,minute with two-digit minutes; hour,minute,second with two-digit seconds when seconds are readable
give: 1,43
